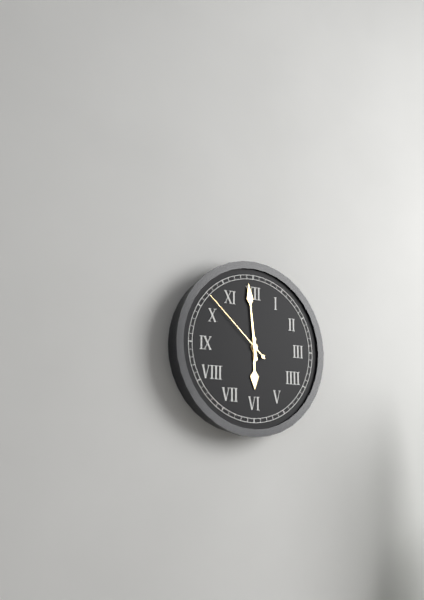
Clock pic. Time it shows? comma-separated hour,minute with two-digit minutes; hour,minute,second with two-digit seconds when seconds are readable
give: 5,59,52
